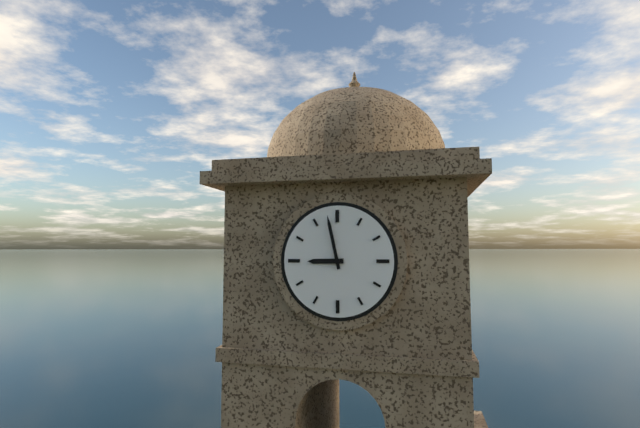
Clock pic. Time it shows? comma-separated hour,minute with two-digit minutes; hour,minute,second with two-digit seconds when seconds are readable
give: 8,58
